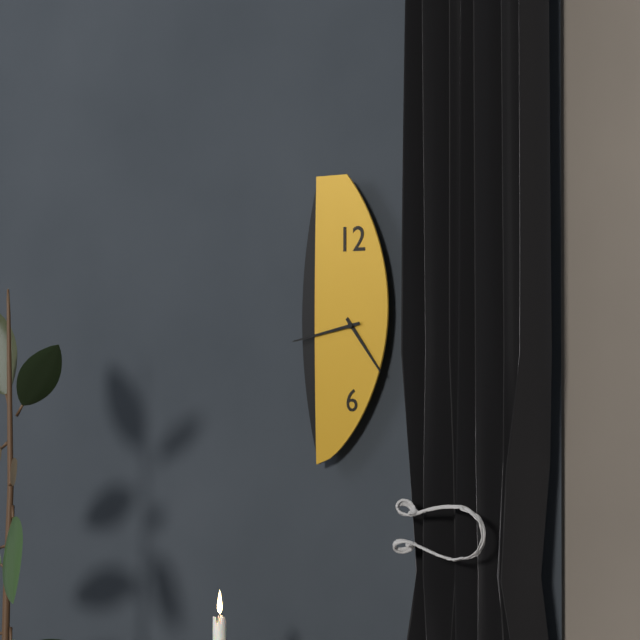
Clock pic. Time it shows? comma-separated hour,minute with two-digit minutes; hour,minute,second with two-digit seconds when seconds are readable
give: 4,43
